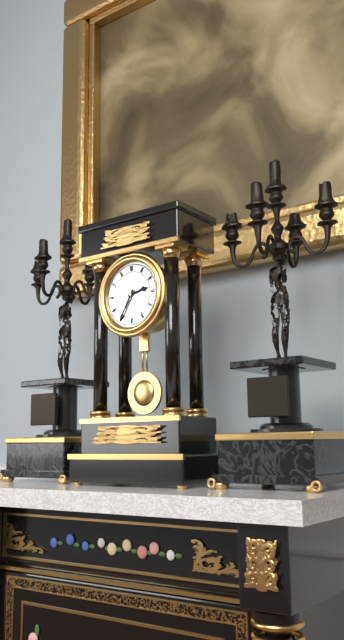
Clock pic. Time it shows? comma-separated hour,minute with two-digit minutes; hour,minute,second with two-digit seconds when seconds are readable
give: 2,35
